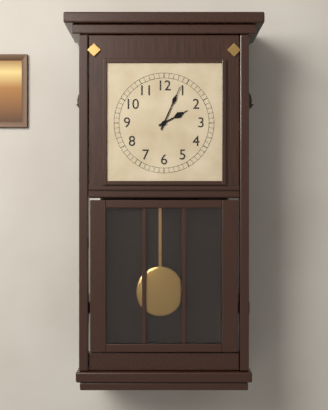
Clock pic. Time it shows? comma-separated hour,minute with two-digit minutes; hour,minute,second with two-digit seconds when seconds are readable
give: 2,04
